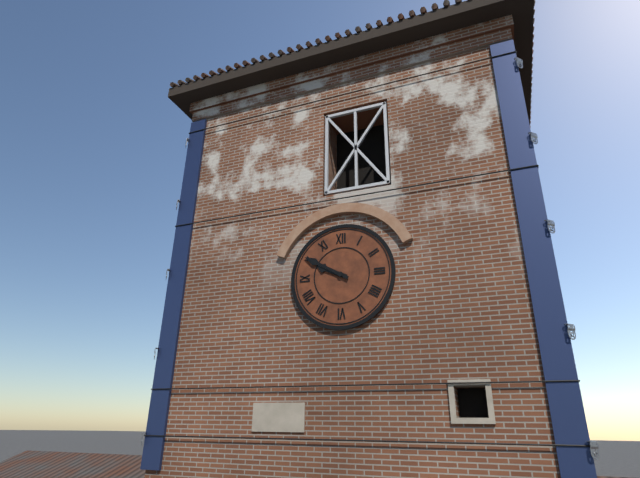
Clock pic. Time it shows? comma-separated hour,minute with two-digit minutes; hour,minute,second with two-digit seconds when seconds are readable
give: 9,50
